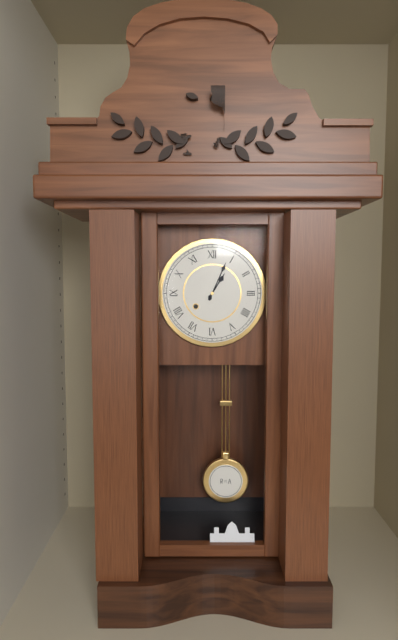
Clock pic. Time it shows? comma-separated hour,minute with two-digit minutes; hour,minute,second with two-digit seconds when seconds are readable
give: 1,04
